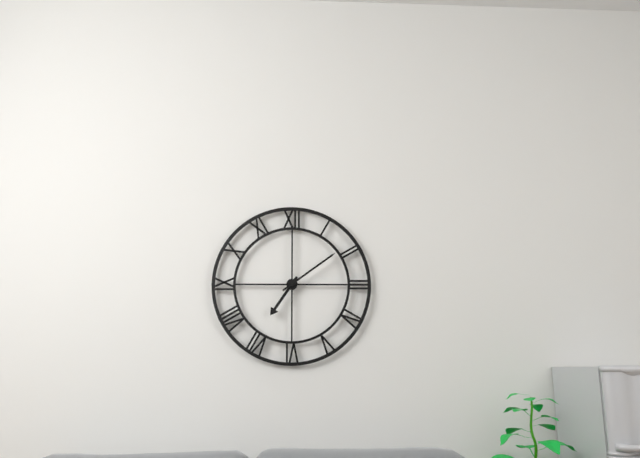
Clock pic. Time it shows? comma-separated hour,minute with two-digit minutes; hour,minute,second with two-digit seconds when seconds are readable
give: 7,09
